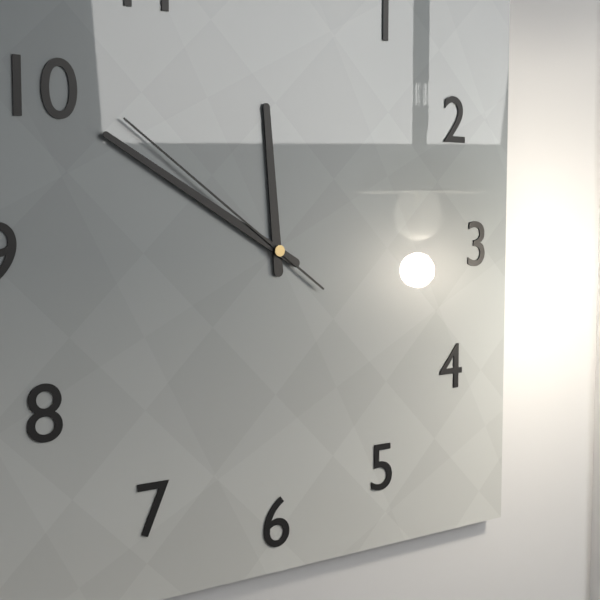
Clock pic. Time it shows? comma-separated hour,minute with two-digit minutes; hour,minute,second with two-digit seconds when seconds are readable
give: 11,50,51
